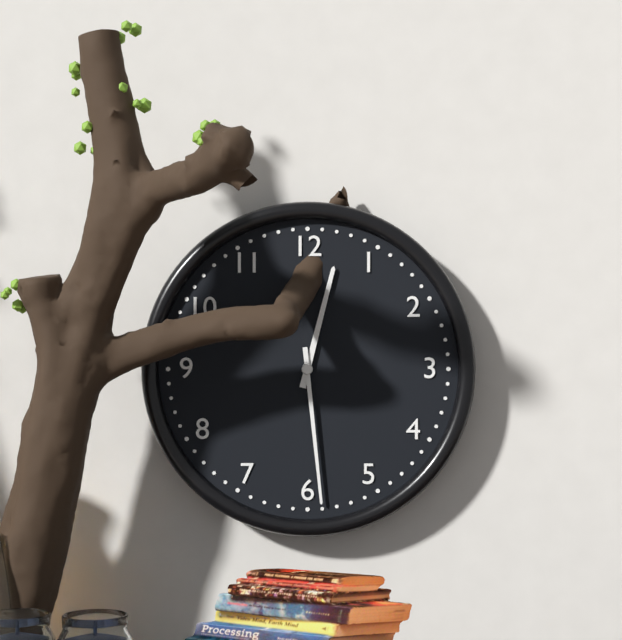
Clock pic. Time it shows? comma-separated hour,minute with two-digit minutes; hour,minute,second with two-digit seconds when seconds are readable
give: 12,29
